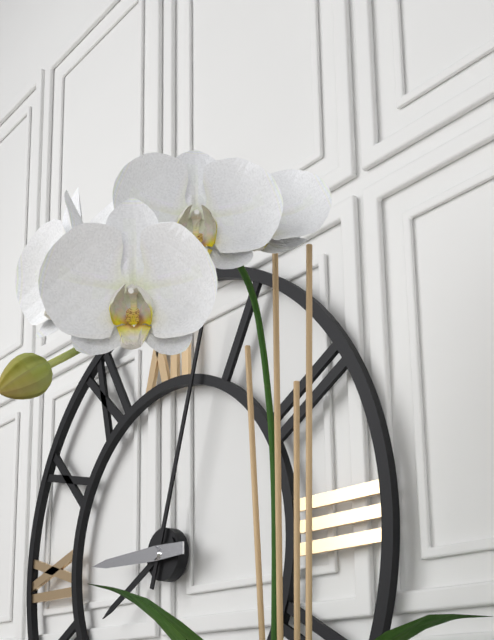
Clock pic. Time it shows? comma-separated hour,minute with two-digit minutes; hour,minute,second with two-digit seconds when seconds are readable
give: 8,03,45
